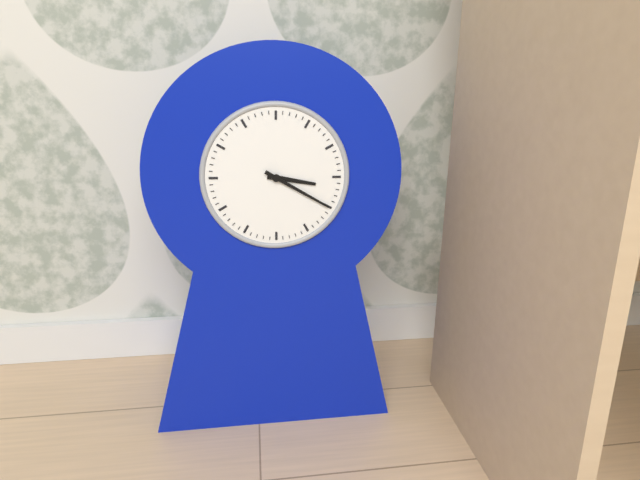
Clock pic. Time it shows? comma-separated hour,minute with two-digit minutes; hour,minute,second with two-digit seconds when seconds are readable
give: 3,20
